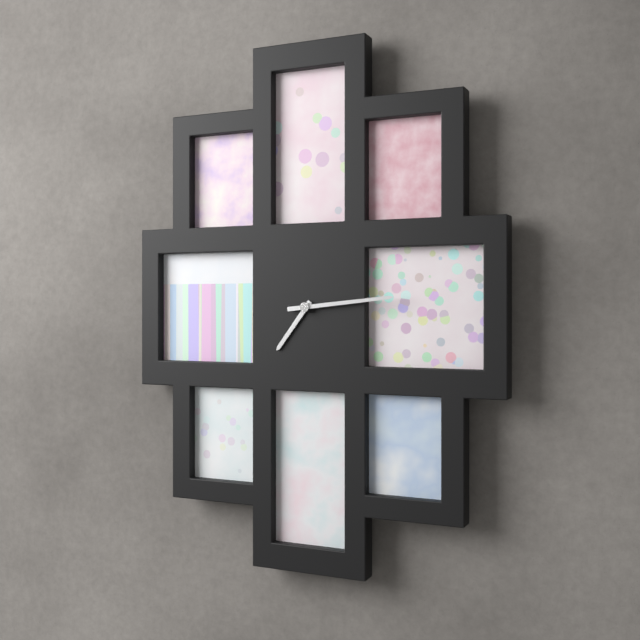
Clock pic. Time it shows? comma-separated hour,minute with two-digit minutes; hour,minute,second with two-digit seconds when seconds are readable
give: 7,14
